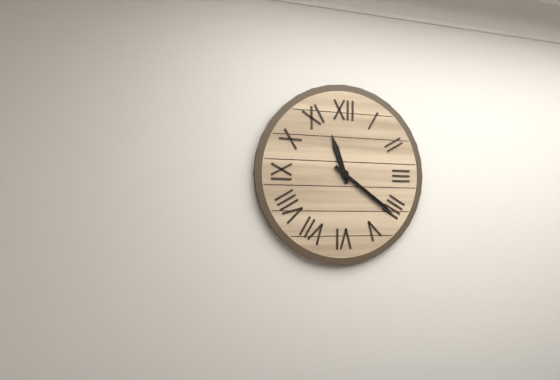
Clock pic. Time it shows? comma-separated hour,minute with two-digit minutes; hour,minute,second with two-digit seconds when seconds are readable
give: 11,21
